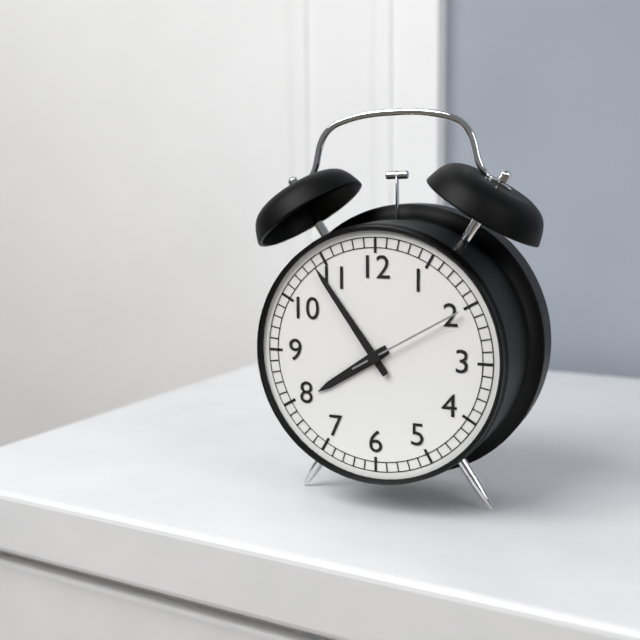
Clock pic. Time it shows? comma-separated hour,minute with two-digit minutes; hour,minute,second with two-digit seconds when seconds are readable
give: 7,54,10
